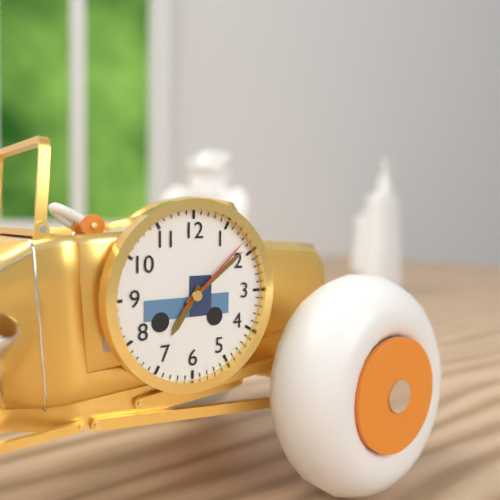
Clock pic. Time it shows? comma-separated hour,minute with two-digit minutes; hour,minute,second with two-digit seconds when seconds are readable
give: 7,09,08
